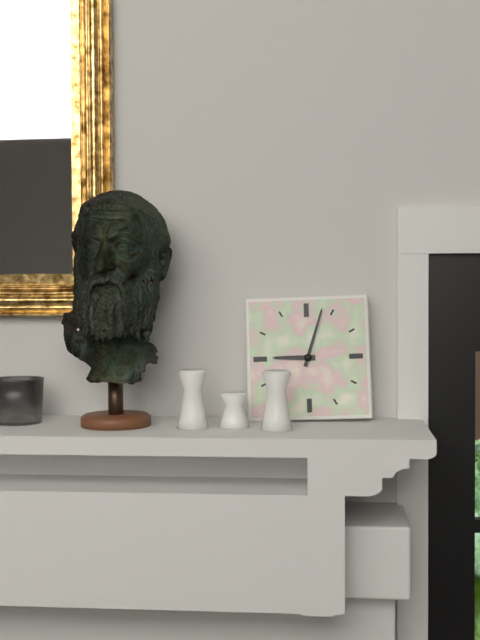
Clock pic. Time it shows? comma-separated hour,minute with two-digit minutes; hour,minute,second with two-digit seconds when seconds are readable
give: 9,03
